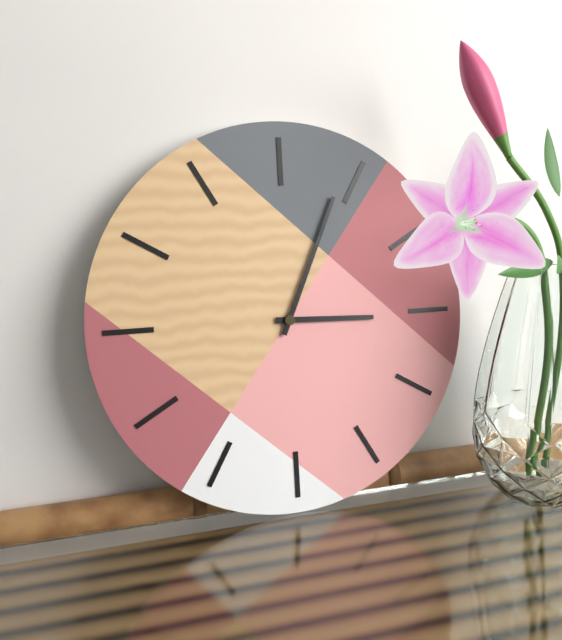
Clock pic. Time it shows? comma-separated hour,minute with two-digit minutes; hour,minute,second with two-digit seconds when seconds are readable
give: 3,04
